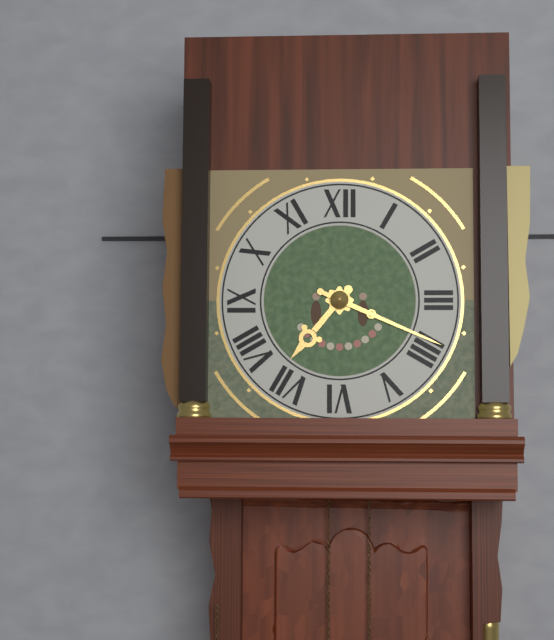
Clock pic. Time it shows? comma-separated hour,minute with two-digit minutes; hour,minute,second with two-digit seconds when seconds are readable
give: 7,19
